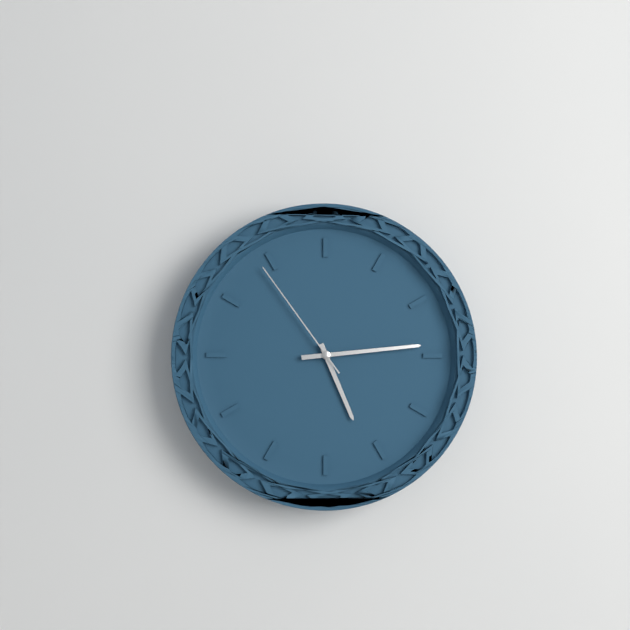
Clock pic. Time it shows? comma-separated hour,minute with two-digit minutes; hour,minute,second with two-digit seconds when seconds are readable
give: 5,14,54
